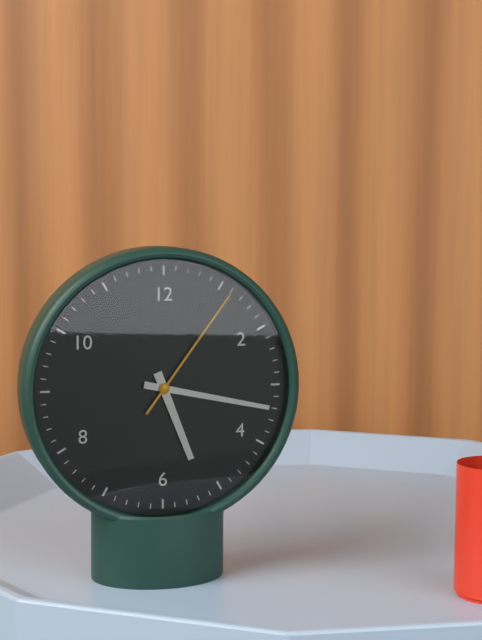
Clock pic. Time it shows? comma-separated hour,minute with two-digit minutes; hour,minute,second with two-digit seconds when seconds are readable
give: 5,17,06
